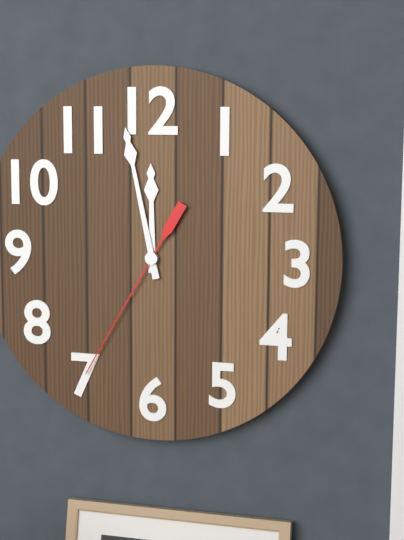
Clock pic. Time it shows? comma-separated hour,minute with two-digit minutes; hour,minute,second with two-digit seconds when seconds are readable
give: 11,58,35
